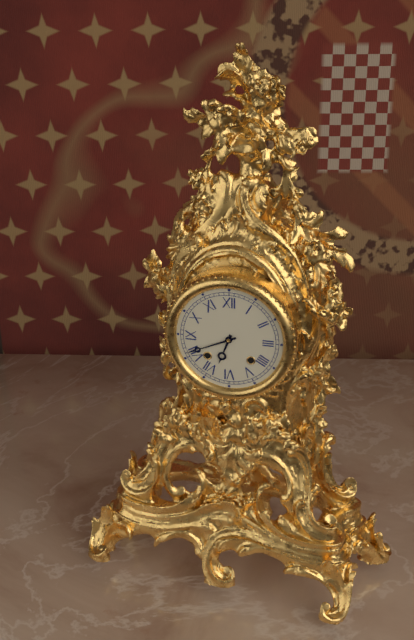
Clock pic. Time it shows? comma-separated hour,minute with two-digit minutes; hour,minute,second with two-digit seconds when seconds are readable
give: 6,41
